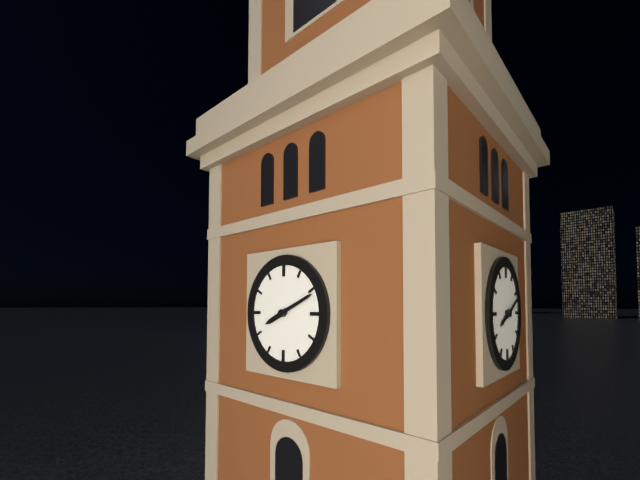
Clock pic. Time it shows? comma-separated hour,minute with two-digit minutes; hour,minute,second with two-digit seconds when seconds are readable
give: 8,11
